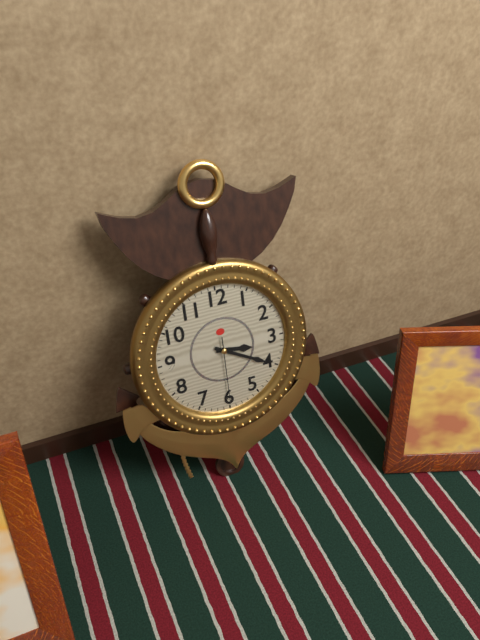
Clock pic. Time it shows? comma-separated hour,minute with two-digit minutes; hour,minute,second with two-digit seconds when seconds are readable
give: 3,20,30
